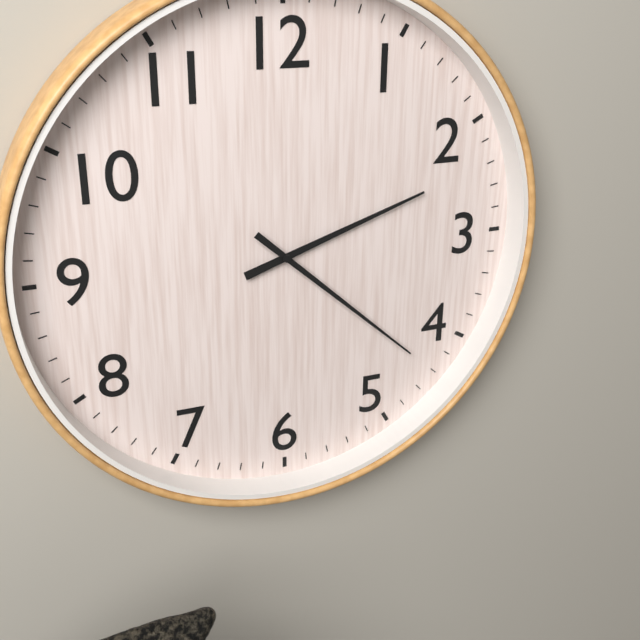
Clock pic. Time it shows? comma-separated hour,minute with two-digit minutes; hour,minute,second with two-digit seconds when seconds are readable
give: 2,22
